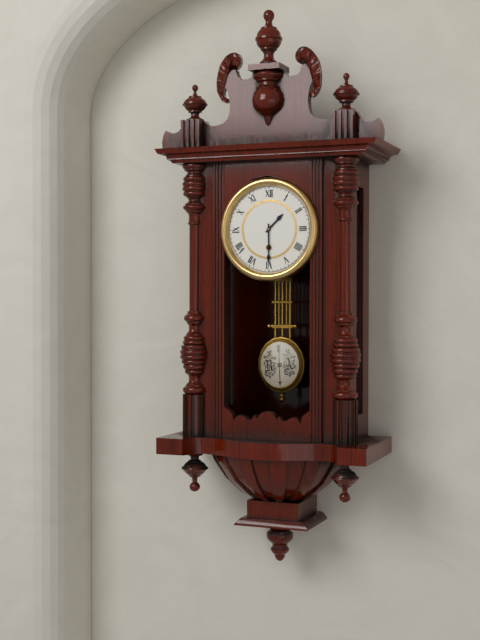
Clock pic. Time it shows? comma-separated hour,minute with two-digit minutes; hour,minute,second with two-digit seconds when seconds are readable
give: 1,30
